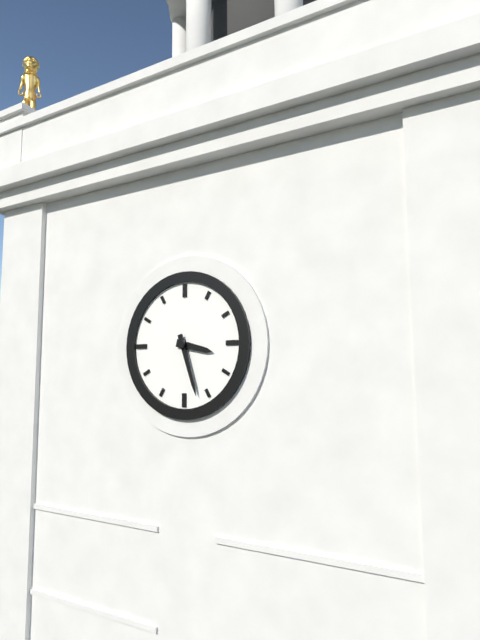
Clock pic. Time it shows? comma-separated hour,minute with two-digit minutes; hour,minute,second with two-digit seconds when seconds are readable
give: 3,27
